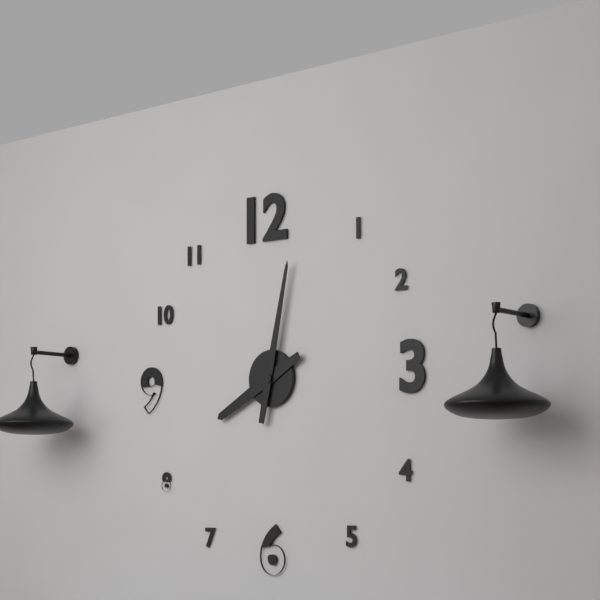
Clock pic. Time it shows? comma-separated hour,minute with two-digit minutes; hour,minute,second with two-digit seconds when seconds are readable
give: 8,02
